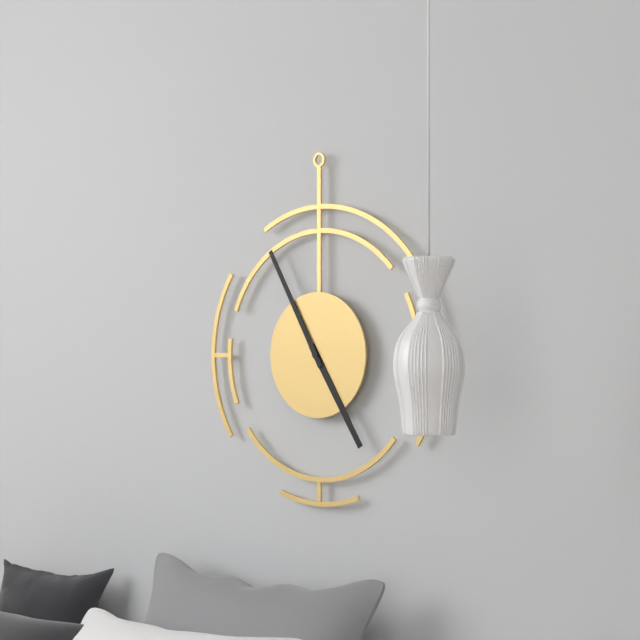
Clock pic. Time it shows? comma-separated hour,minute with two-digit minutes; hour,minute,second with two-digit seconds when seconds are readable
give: 4,55
